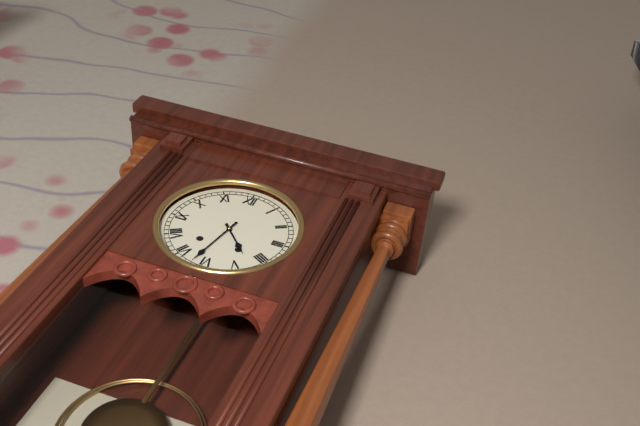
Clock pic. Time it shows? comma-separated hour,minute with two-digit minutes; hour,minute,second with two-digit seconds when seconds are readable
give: 4,32
